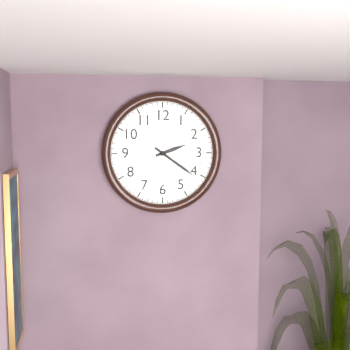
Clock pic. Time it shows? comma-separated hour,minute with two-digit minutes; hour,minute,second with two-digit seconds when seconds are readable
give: 2,21
